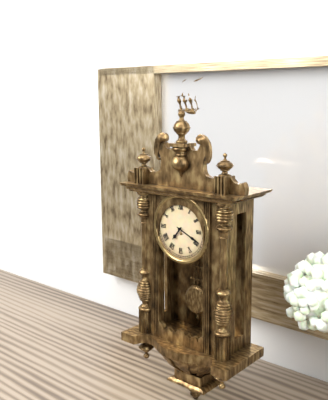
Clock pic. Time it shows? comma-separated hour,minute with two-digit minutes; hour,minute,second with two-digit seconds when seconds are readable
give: 7,19
